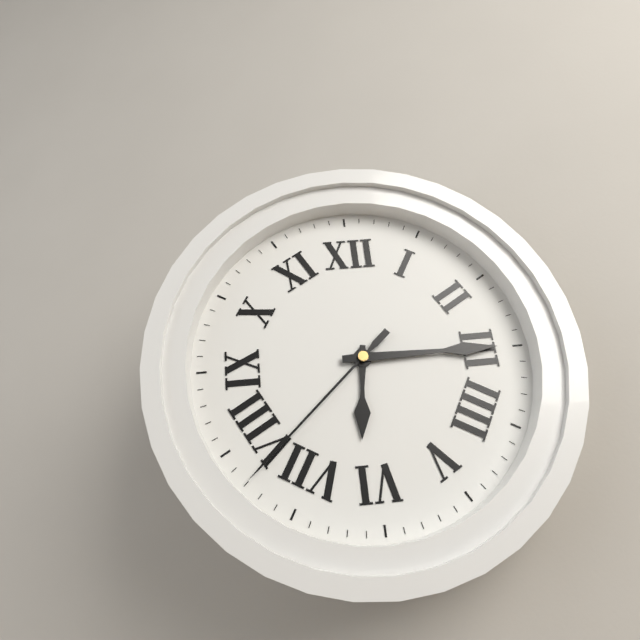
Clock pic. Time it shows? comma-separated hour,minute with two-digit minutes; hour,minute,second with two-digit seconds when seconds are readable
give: 6,15,38
